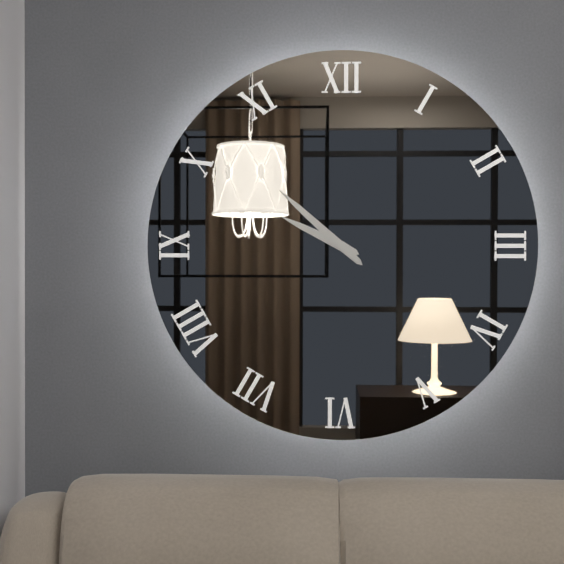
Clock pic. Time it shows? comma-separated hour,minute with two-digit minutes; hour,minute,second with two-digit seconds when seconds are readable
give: 9,52
